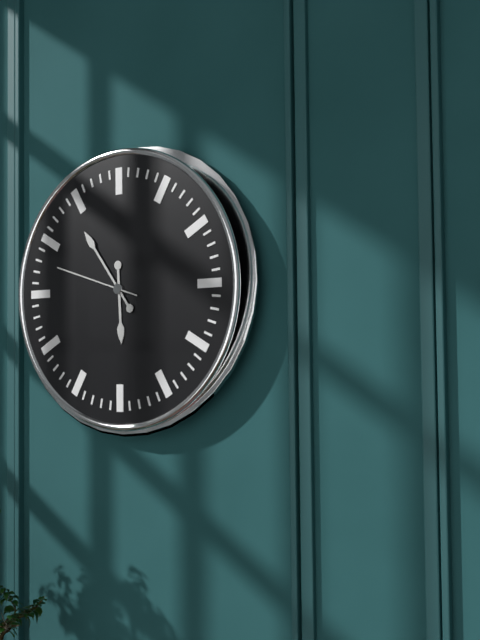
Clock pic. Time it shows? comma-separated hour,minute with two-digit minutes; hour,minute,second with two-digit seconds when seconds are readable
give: 5,54,48
